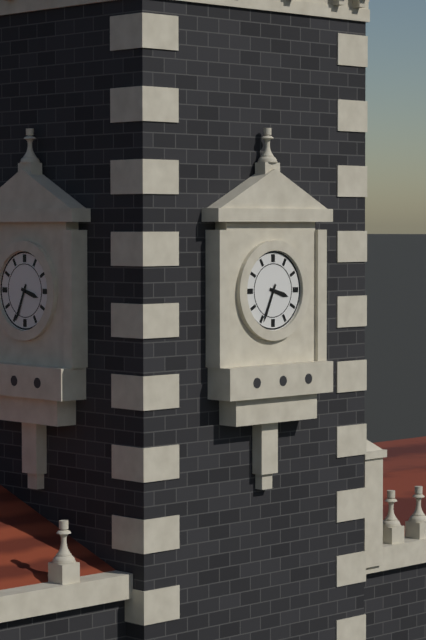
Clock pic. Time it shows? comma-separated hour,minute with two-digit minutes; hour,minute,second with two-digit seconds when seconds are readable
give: 3,34
